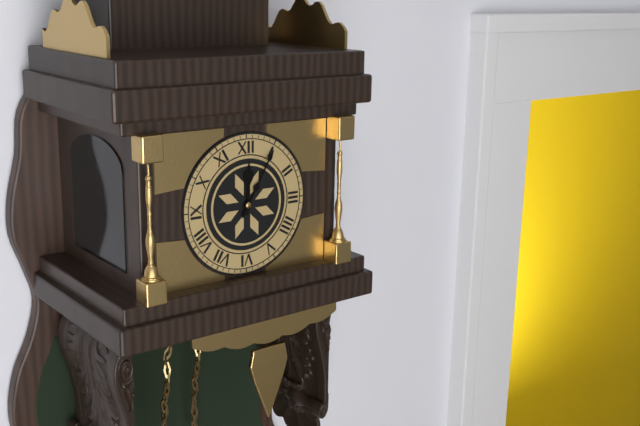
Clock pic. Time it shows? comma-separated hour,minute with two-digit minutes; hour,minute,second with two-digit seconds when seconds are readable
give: 12,05
